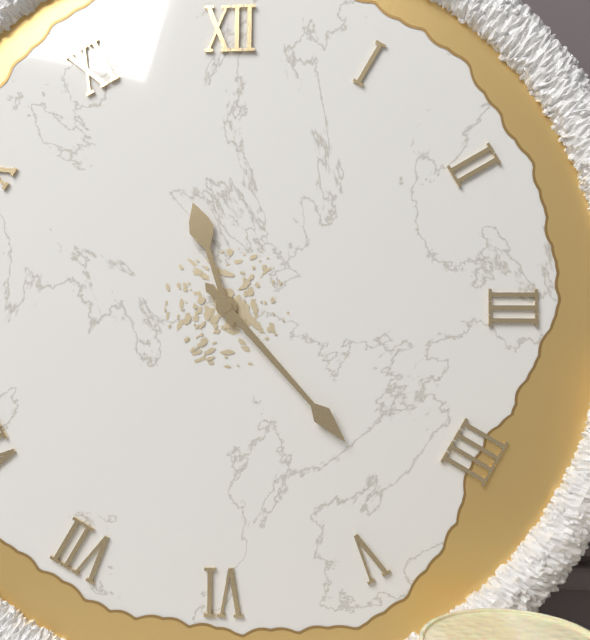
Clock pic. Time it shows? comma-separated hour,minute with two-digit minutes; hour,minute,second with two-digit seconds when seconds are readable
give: 11,23
